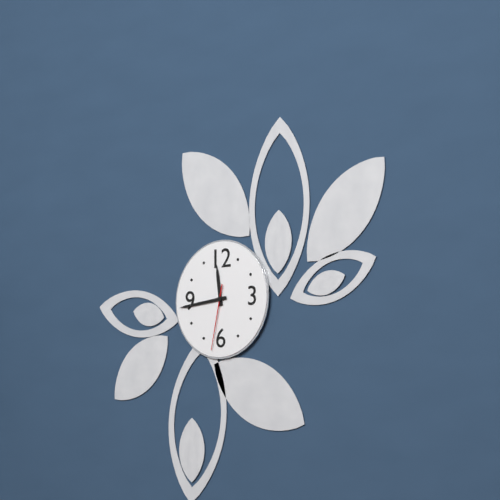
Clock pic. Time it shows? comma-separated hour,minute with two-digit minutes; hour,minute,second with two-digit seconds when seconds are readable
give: 11,44,32
